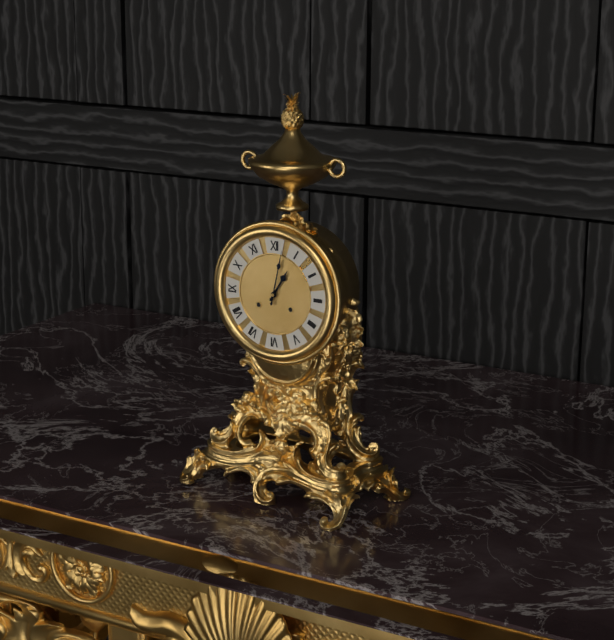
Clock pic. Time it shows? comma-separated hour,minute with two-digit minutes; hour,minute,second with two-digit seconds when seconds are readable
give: 1,02
